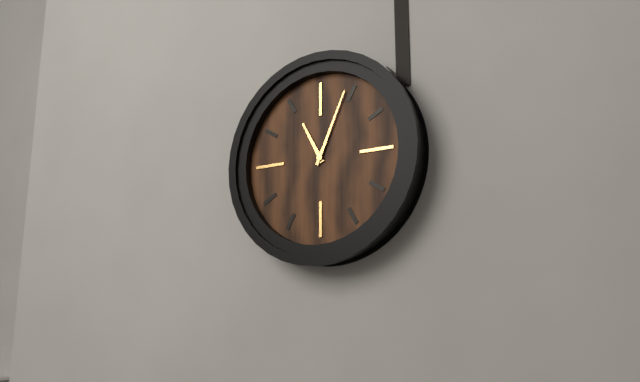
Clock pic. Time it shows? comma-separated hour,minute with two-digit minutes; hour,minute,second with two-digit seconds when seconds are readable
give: 11,04
